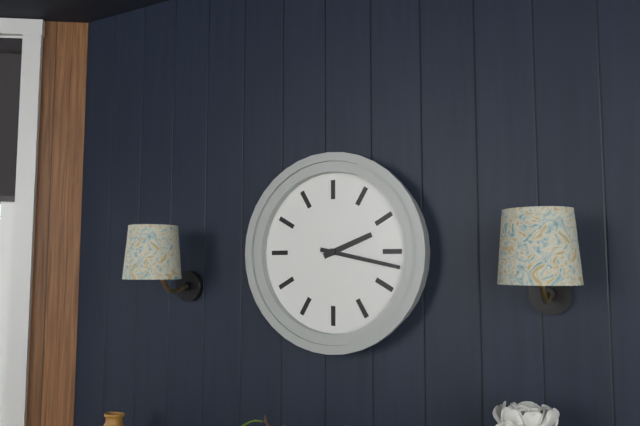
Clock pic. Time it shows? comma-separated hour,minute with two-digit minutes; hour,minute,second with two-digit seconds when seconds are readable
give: 2,17
